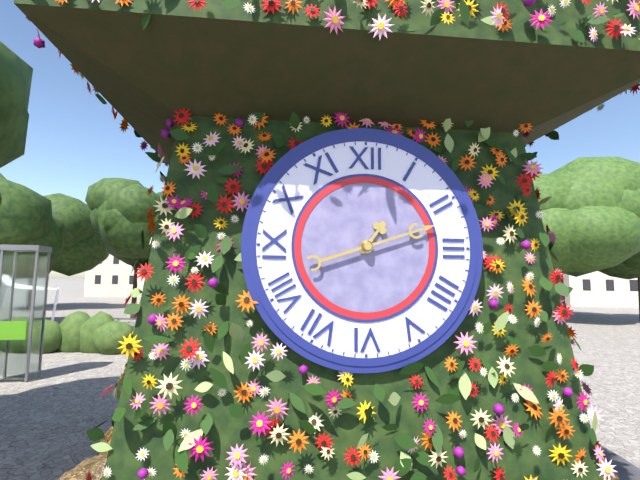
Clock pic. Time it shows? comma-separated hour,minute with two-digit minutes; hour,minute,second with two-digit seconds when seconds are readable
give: 1,12
